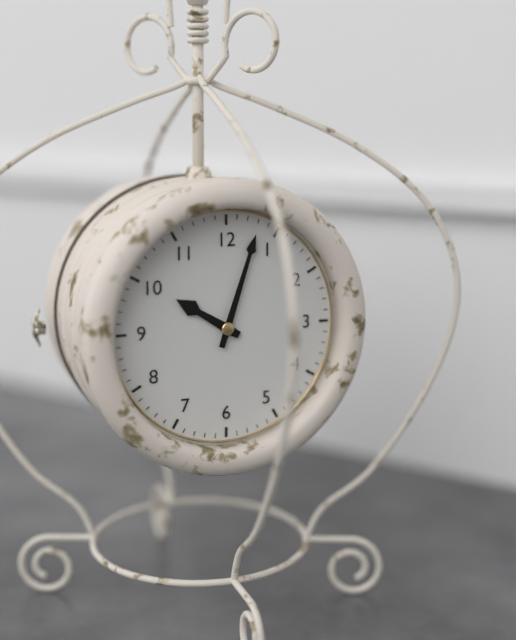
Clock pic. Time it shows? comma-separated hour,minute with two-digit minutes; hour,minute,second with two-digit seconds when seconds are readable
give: 10,03
